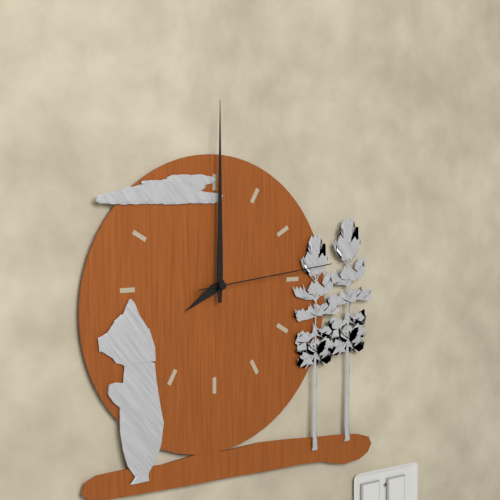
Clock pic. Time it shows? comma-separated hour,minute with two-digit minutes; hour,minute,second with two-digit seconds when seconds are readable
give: 8,00,14
